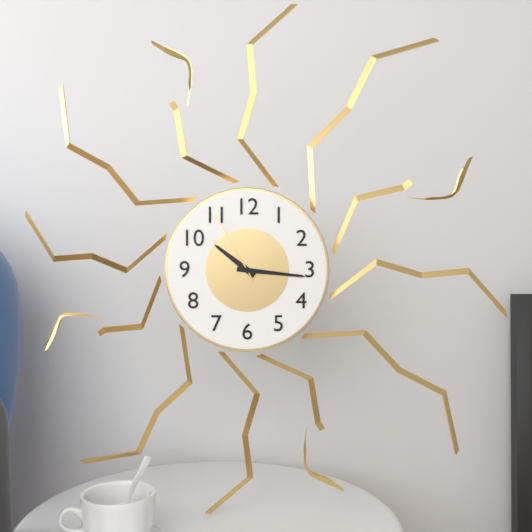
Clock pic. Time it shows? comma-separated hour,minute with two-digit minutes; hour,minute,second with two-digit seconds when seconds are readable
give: 10,16,55
